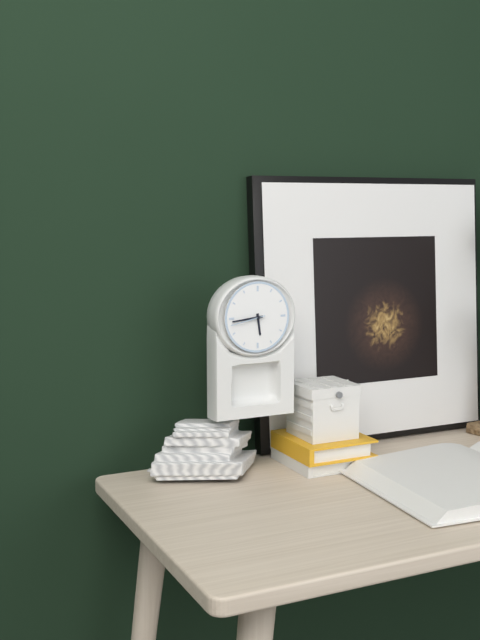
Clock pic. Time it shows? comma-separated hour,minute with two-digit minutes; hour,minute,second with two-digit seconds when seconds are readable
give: 5,44
